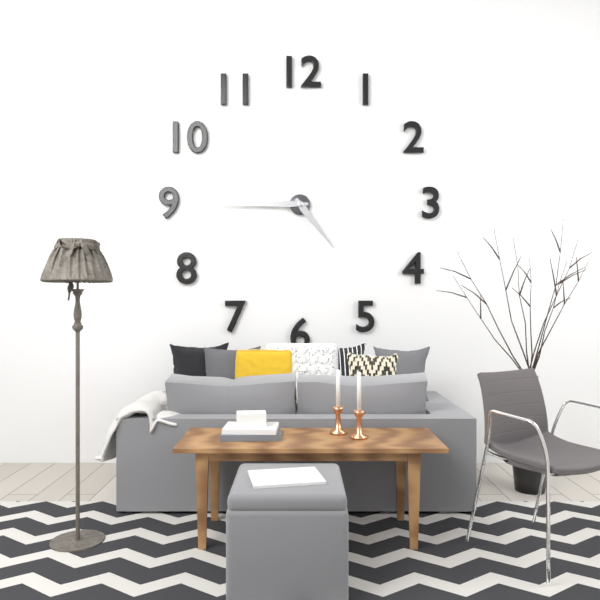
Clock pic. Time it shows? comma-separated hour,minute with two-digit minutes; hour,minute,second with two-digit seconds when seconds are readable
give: 4,45
